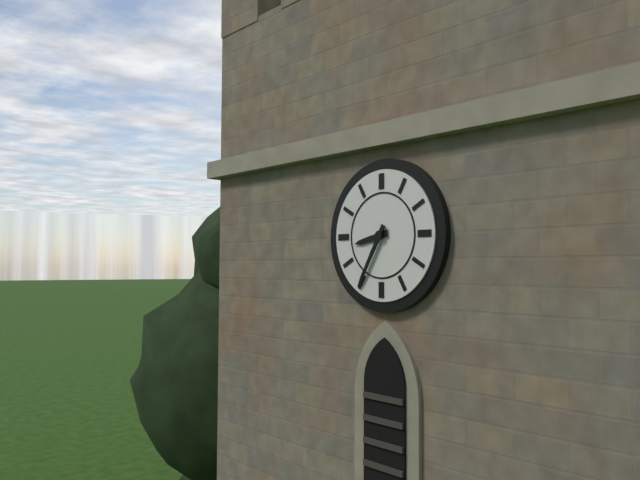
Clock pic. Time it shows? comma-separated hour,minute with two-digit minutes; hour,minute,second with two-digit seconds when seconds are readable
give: 8,35
